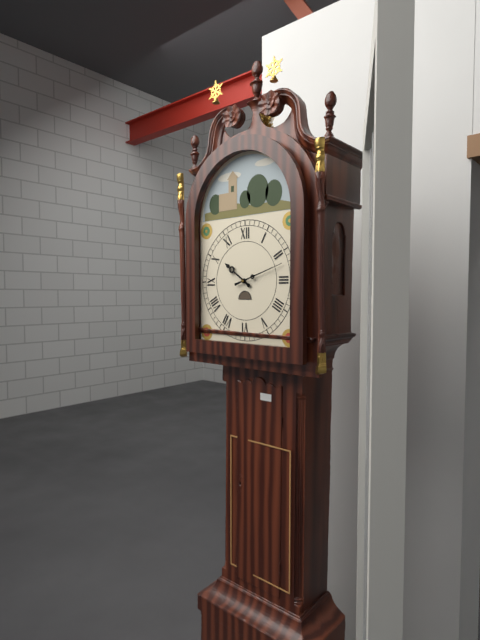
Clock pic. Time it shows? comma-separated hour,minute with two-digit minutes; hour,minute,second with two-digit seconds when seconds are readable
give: 10,12
